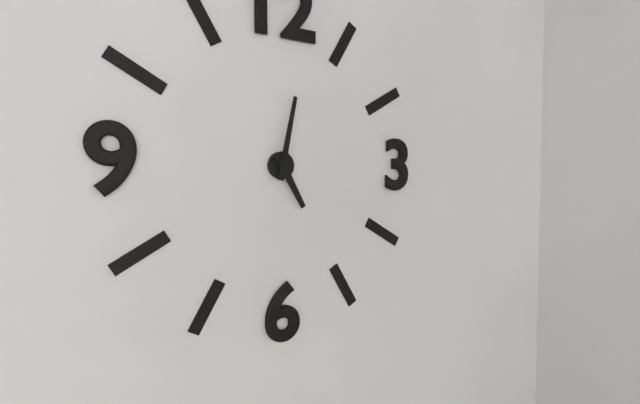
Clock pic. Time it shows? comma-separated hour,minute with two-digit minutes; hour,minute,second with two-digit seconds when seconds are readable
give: 5,02
